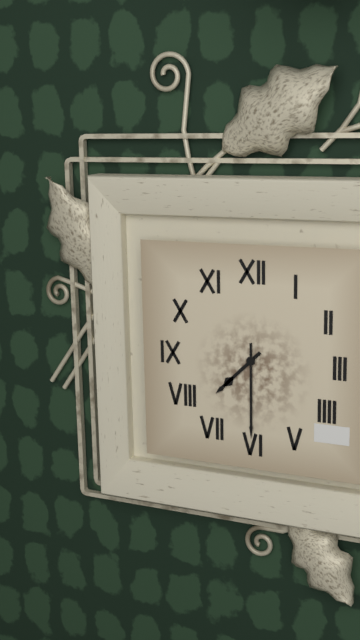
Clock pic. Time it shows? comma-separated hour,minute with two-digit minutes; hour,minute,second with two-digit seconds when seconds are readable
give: 7,30
